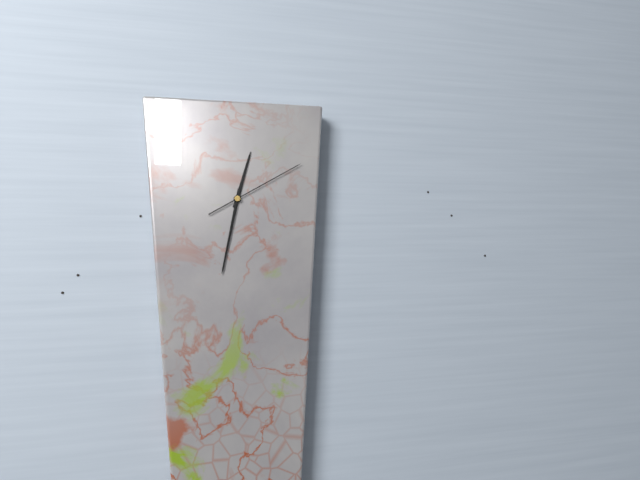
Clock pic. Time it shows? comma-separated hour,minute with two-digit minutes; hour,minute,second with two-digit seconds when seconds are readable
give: 12,32,10
